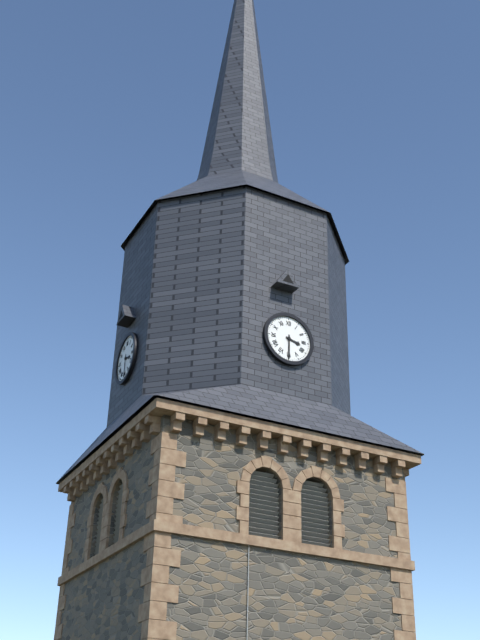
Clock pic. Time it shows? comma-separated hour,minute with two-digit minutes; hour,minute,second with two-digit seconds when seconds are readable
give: 3,30
